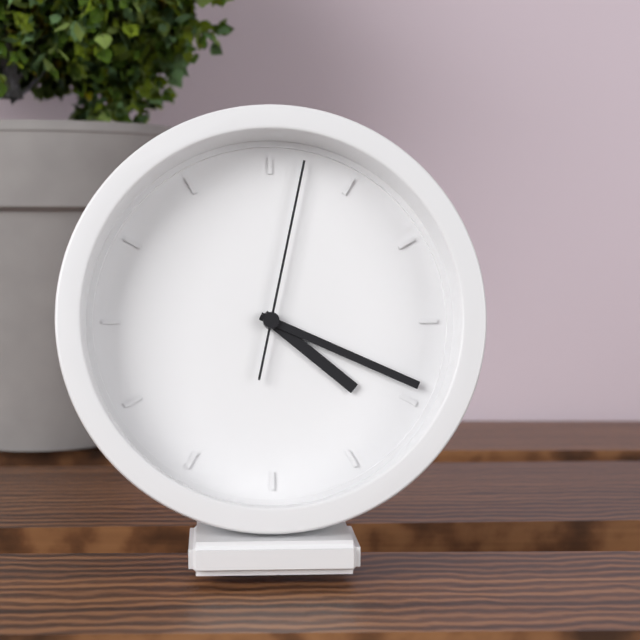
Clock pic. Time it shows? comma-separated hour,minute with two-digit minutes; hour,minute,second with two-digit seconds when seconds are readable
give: 4,19,02
